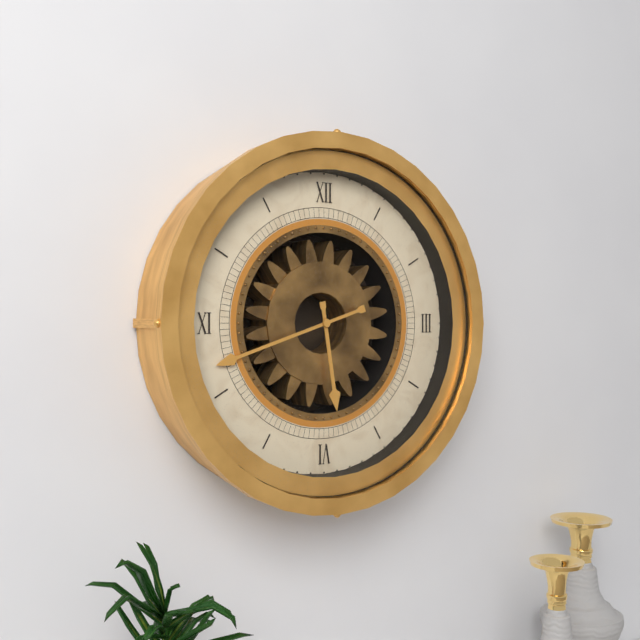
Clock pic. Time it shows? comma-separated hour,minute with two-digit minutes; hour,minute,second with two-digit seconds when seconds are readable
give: 5,42
